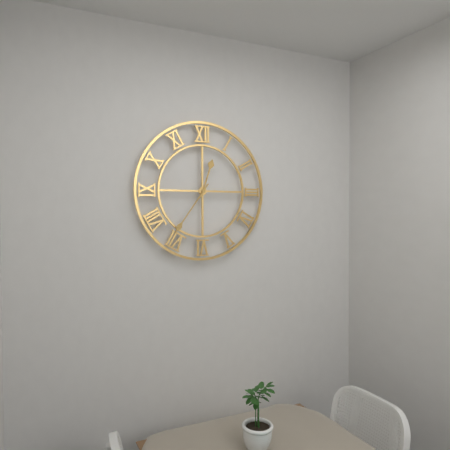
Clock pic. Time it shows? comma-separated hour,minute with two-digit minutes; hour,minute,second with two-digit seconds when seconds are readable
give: 12,36
